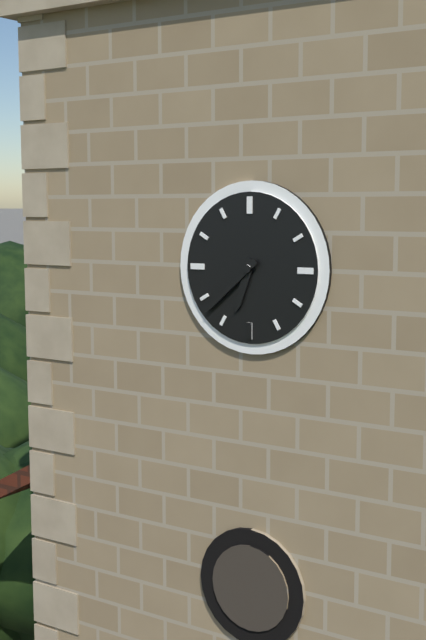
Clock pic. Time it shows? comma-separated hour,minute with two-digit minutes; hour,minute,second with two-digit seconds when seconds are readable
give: 6,38
